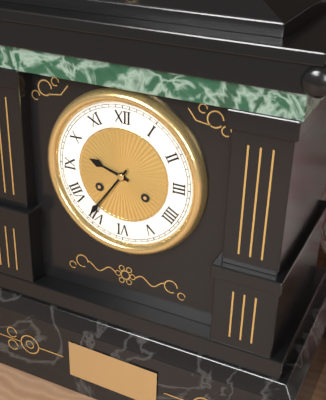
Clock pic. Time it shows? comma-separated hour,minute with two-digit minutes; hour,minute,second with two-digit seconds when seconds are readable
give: 9,36
